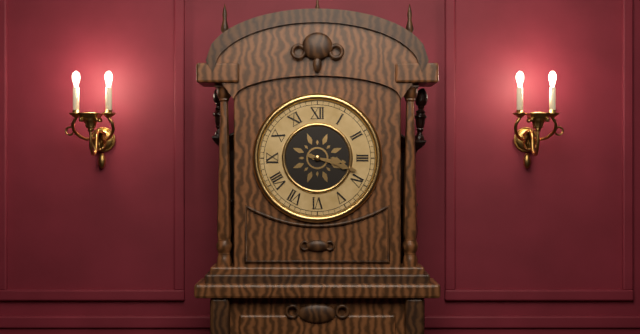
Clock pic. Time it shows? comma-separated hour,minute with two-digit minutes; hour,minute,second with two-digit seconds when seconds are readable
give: 3,18
